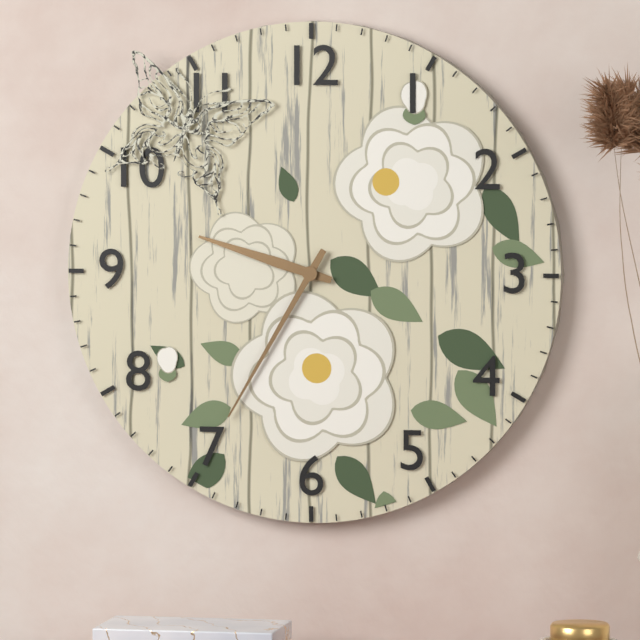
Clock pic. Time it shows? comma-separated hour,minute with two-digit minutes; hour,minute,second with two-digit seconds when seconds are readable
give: 9,35
